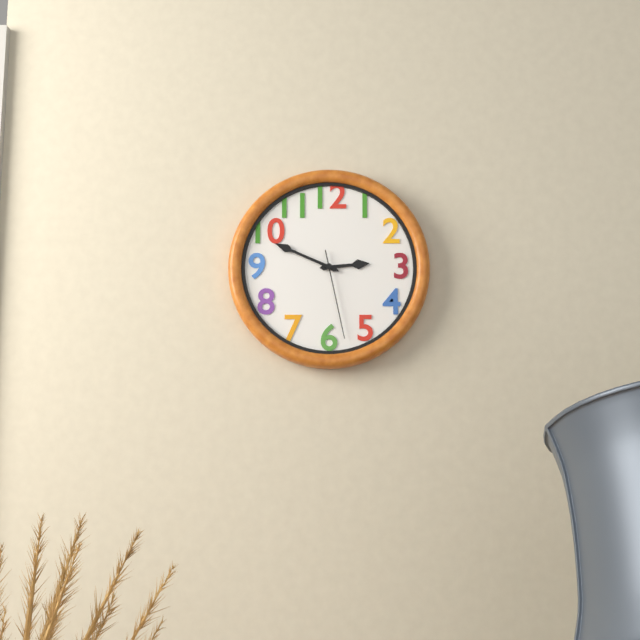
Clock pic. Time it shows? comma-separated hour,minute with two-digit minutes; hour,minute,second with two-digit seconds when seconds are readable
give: 2,49,28
